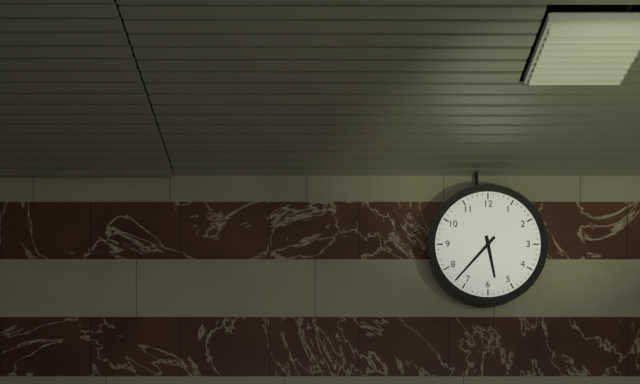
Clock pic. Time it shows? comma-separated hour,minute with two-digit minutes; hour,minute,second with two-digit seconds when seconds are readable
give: 5,37
